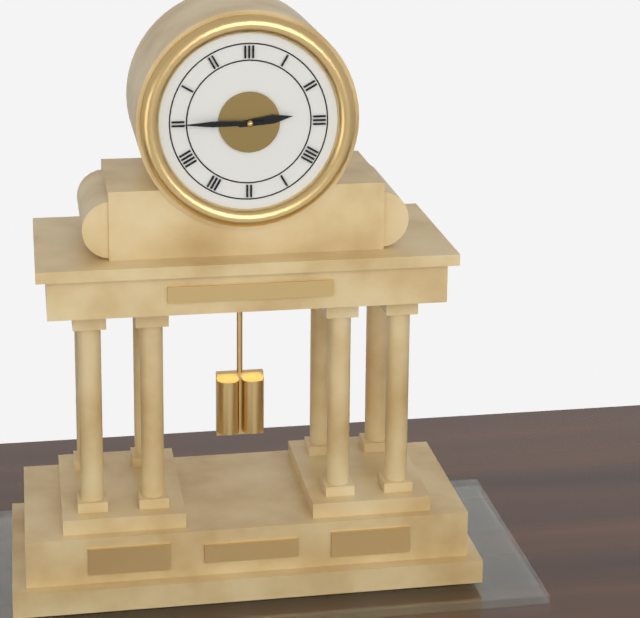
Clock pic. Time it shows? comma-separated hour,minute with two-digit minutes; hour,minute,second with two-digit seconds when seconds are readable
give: 2,45
